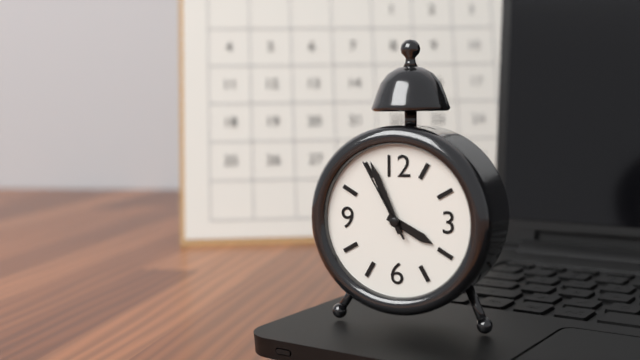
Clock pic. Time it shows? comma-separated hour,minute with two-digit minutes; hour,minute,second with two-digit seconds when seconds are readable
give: 3,56,55
